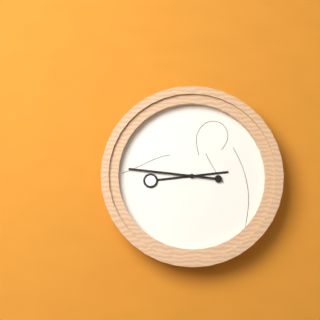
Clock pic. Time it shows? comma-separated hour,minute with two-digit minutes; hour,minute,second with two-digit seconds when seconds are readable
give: 2,46
